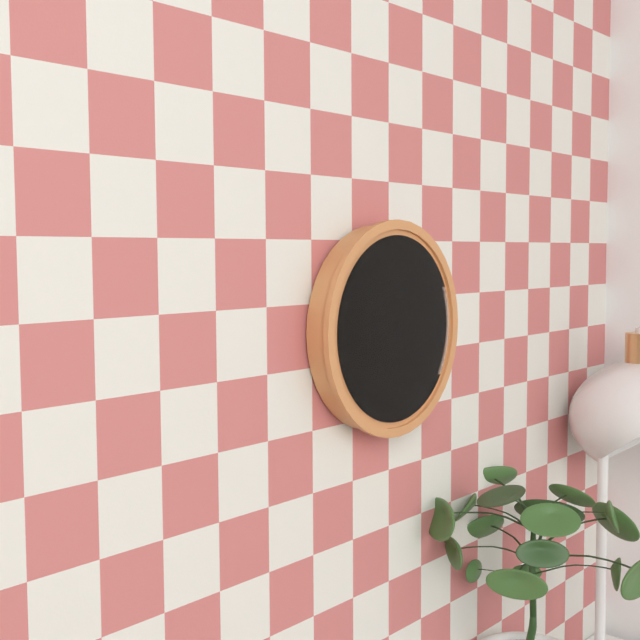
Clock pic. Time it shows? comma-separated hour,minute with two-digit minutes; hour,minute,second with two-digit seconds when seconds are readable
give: 7,46
